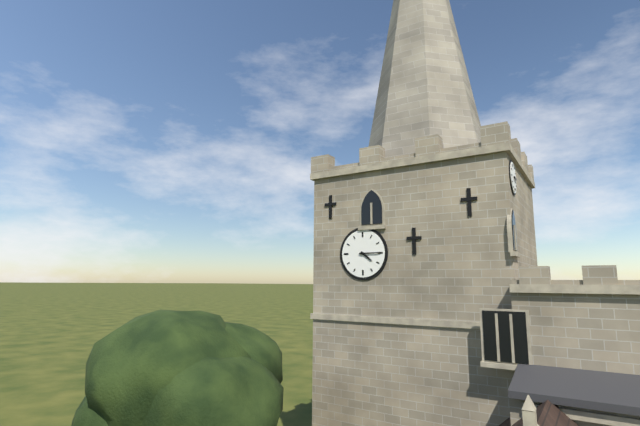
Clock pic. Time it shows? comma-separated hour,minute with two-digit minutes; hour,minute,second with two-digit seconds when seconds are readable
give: 4,15
